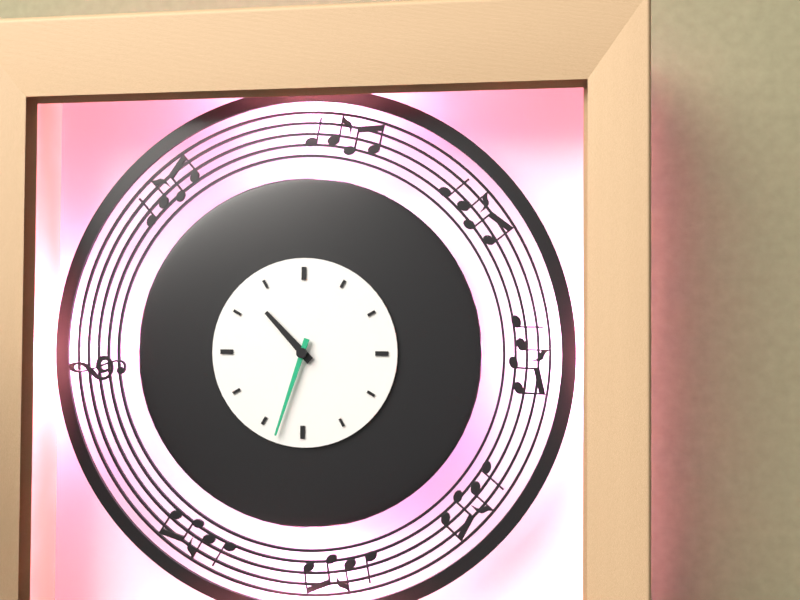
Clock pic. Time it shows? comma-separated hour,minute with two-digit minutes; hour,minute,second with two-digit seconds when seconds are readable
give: 10,33
